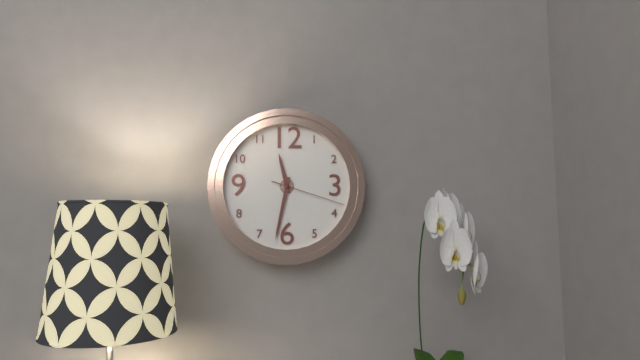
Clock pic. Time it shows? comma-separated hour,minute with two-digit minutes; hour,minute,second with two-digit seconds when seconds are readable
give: 11,32,18
